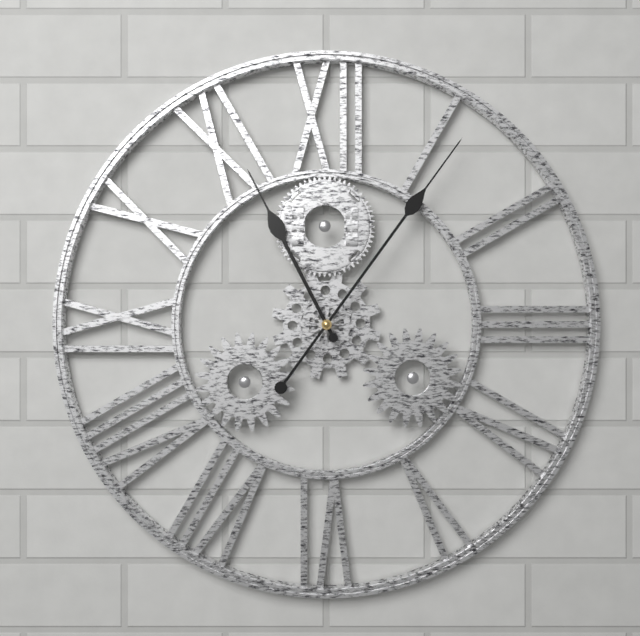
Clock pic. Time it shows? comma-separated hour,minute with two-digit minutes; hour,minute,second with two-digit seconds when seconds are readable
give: 11,06
